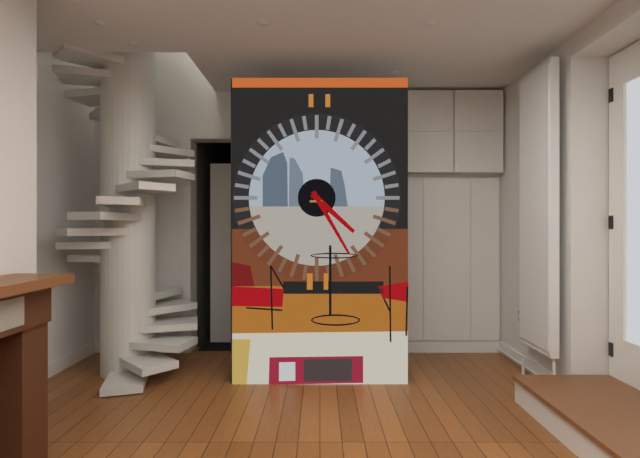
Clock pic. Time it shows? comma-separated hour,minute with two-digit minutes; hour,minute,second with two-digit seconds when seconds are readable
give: 4,25
